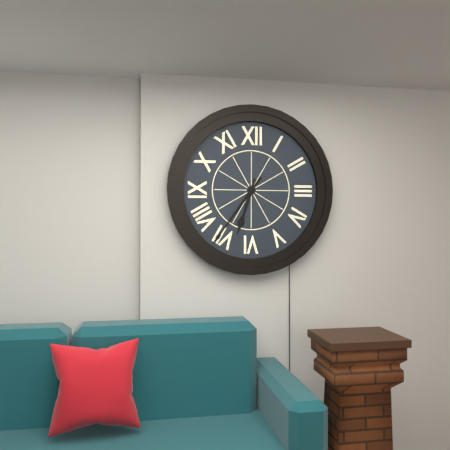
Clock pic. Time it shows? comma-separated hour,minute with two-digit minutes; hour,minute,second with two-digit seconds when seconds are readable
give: 6,36
